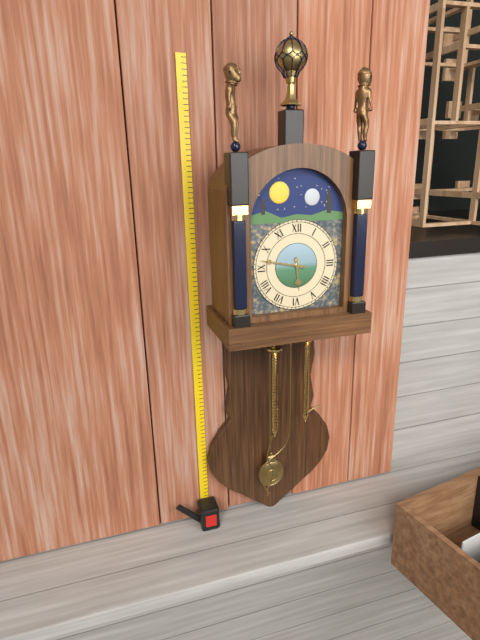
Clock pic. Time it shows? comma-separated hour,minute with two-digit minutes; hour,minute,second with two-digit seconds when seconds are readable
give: 5,47
